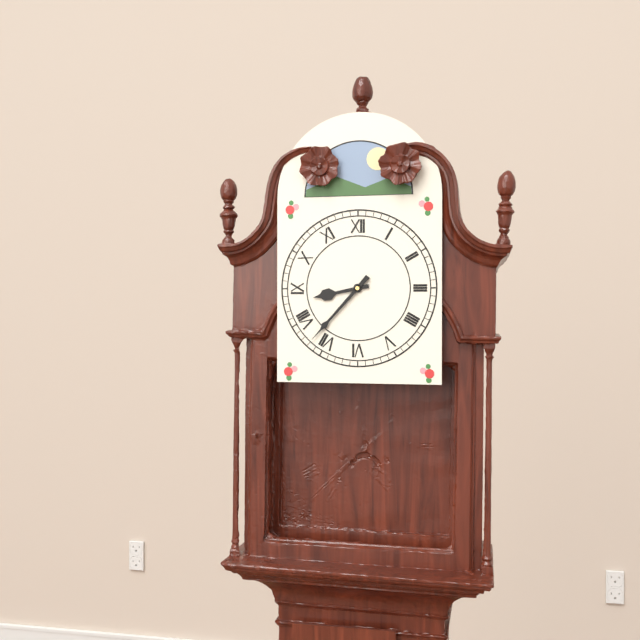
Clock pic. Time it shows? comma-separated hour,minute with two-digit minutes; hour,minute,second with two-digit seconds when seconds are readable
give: 8,37
